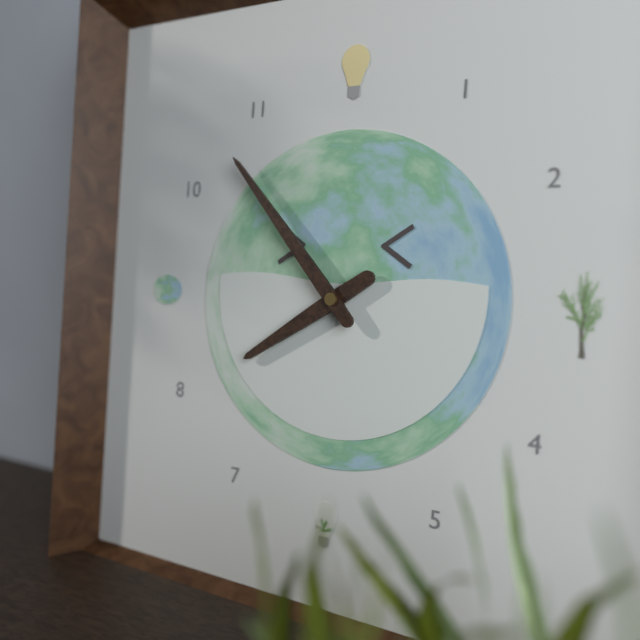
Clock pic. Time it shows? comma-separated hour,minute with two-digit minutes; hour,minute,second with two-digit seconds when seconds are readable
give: 7,53
